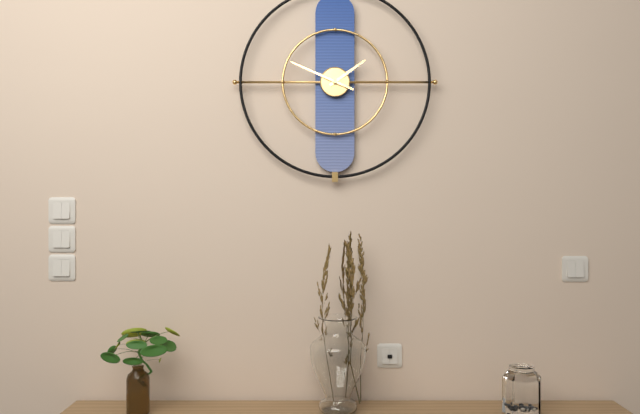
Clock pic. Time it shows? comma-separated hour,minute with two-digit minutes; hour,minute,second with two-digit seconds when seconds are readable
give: 1,49
